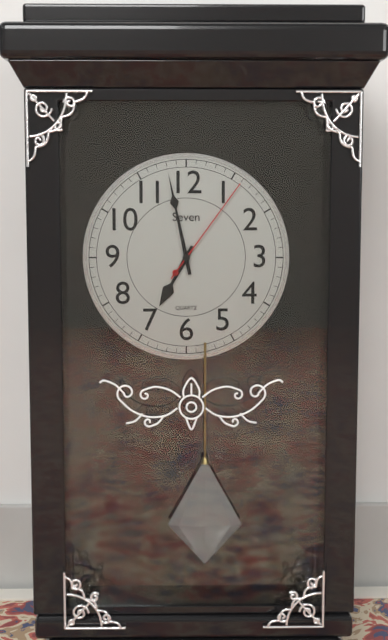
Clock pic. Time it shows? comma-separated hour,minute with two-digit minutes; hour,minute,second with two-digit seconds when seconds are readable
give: 6,58,06
